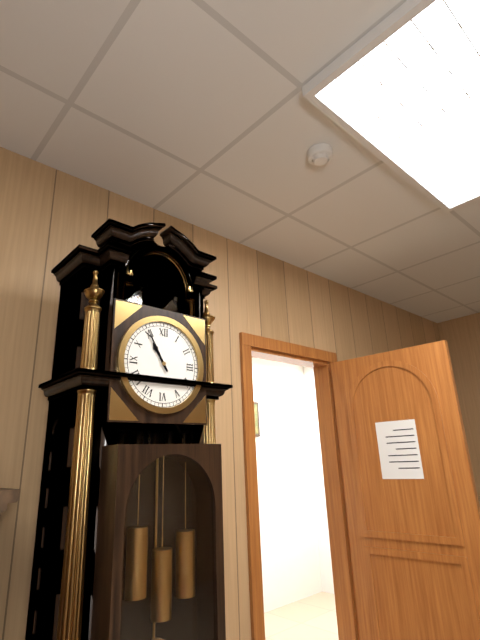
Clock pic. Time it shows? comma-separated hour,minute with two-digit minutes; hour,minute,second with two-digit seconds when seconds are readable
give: 10,55
